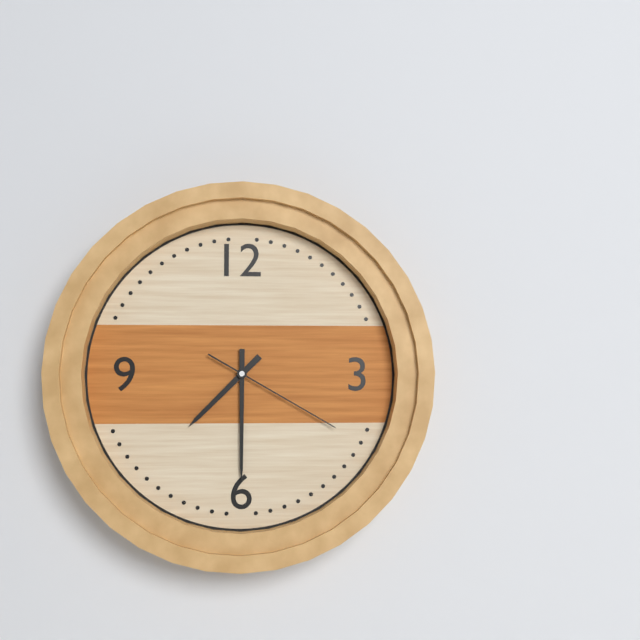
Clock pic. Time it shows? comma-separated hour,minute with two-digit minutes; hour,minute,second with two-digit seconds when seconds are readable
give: 7,30,20
